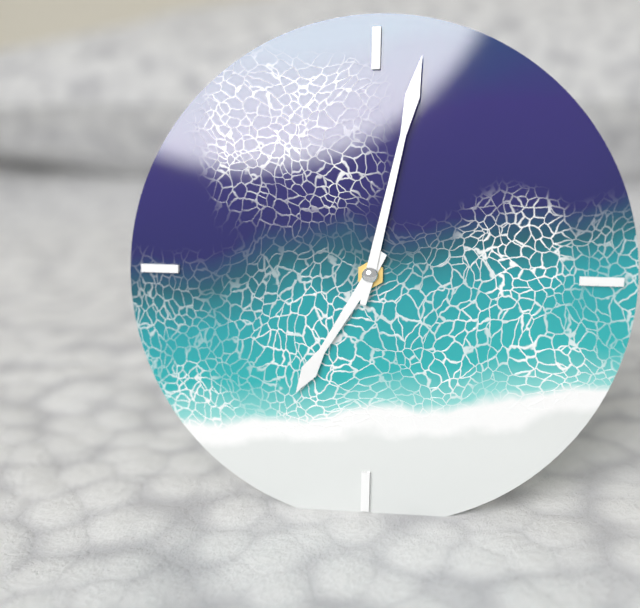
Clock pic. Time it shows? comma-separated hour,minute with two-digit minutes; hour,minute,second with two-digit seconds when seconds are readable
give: 7,02
